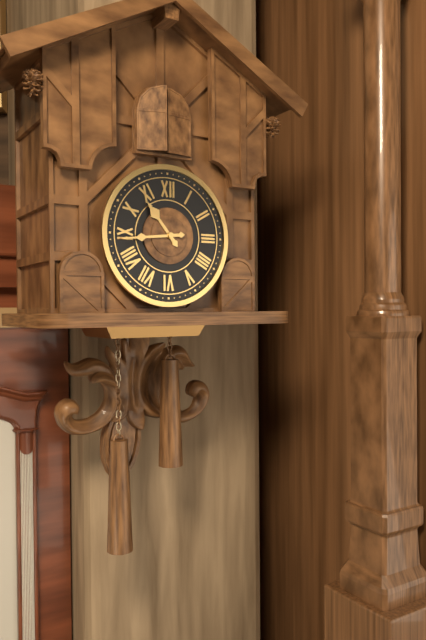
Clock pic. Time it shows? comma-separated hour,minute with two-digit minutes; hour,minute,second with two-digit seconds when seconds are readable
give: 10,44
